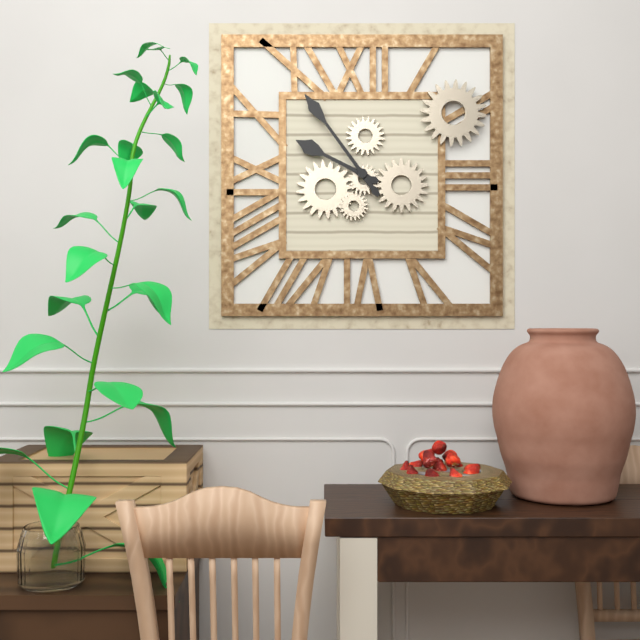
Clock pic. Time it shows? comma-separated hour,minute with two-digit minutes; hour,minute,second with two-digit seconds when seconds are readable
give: 9,54
